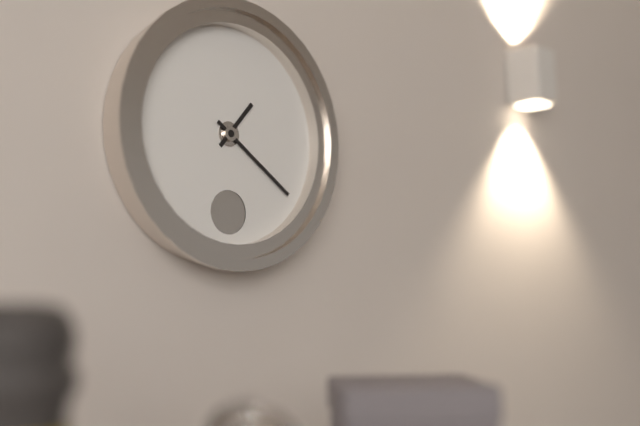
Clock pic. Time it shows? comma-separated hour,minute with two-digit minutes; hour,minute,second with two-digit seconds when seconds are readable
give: 1,21
